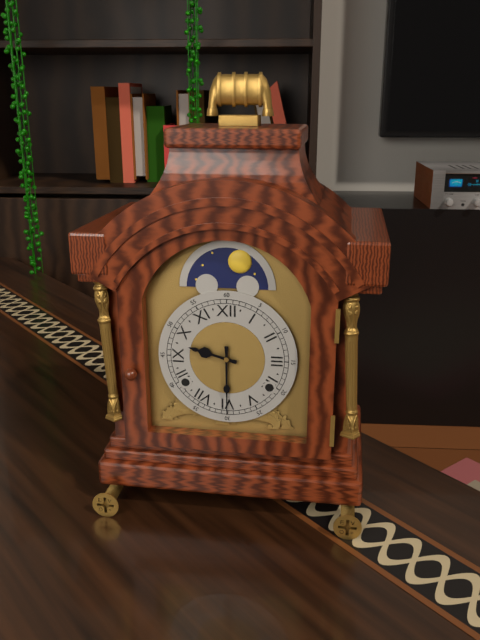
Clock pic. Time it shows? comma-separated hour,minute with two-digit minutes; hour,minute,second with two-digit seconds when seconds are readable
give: 9,30
